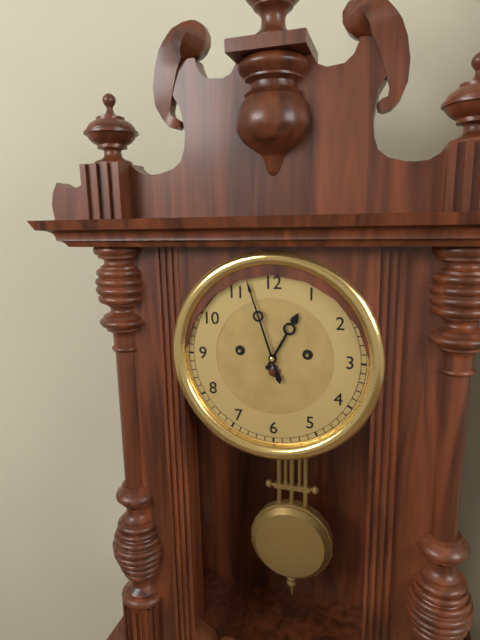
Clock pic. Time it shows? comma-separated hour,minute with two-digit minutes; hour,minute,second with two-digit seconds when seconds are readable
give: 12,57
